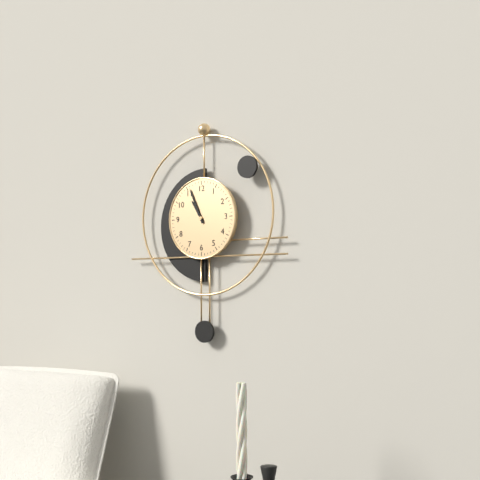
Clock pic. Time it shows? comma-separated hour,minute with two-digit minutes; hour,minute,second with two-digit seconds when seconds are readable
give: 10,56
